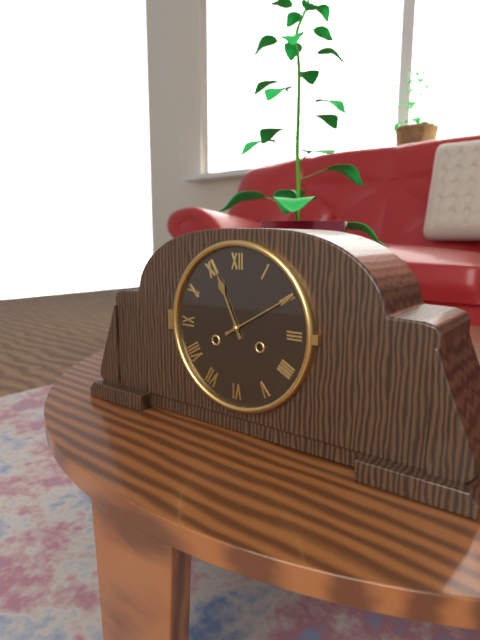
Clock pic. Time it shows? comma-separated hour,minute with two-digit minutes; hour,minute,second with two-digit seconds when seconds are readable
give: 11,10
